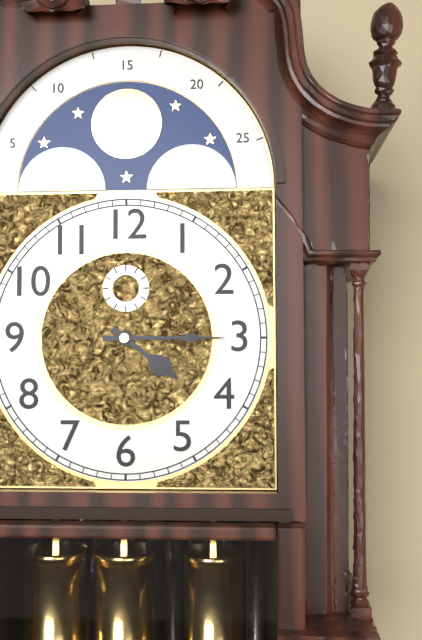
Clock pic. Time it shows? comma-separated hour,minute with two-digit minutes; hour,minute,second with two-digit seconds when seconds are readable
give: 4,15
